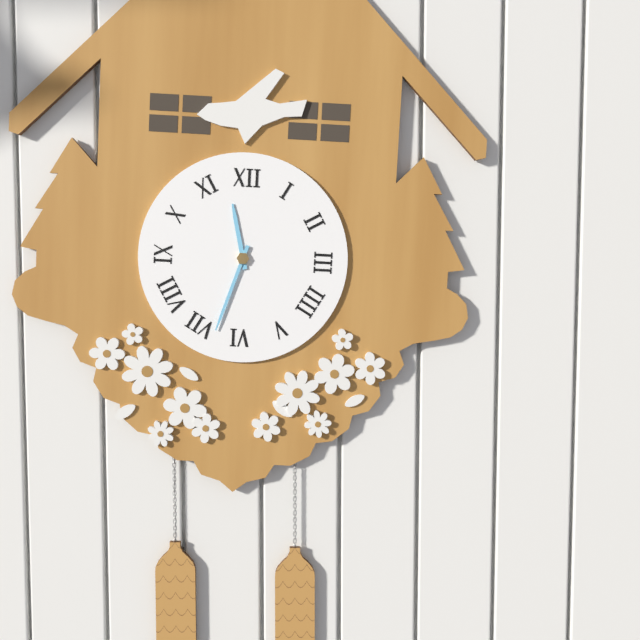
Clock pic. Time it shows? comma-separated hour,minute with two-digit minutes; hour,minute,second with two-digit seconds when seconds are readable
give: 11,33
